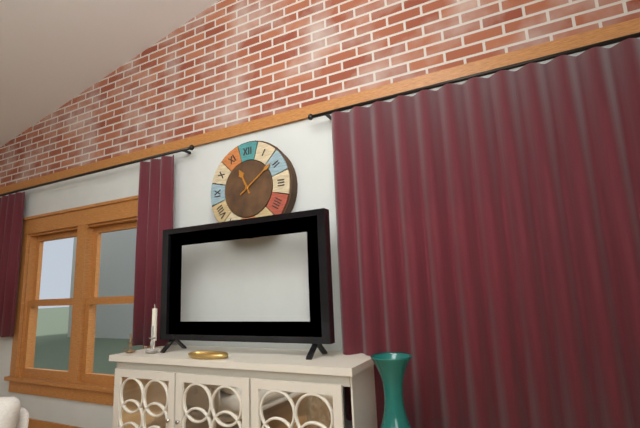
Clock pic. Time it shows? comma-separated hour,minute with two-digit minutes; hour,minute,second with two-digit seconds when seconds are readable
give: 11,09
